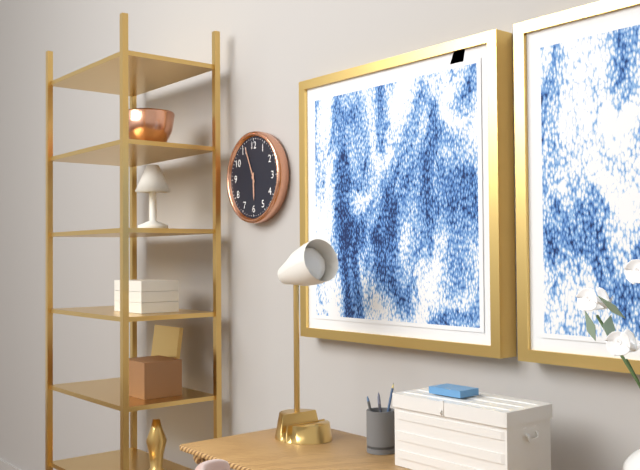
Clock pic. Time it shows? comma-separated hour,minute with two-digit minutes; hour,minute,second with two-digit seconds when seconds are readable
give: 5,56
